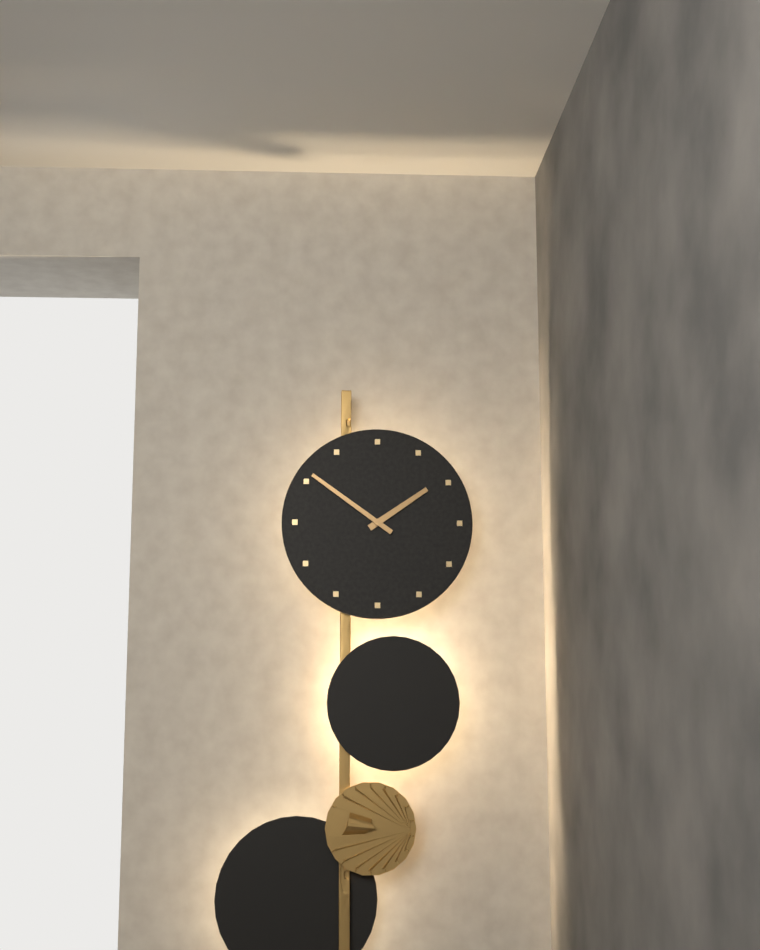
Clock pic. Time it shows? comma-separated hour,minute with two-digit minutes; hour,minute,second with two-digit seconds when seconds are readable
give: 1,51
